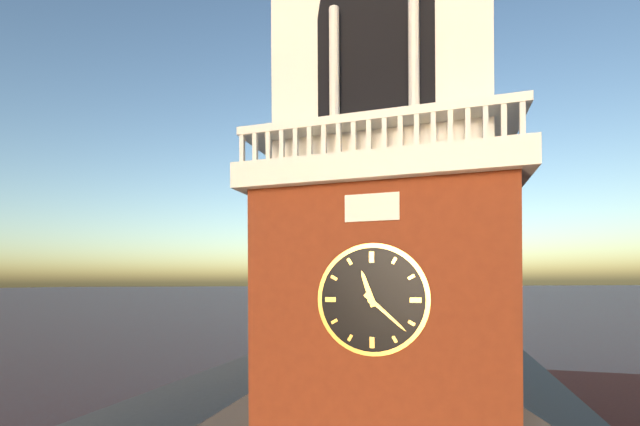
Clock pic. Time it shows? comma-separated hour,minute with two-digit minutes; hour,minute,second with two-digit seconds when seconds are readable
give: 11,22
